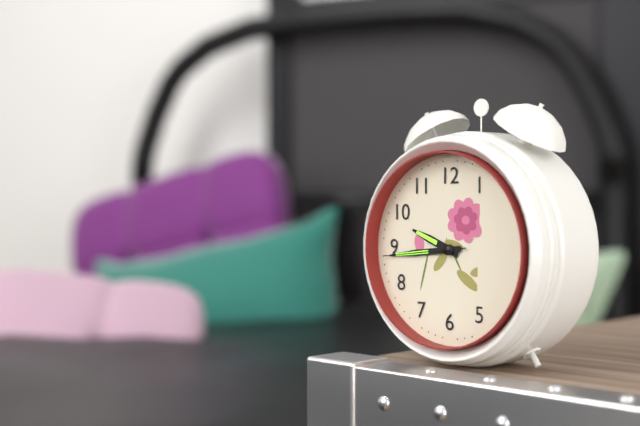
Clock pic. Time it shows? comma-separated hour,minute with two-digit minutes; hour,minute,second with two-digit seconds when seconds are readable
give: 9,44,44
